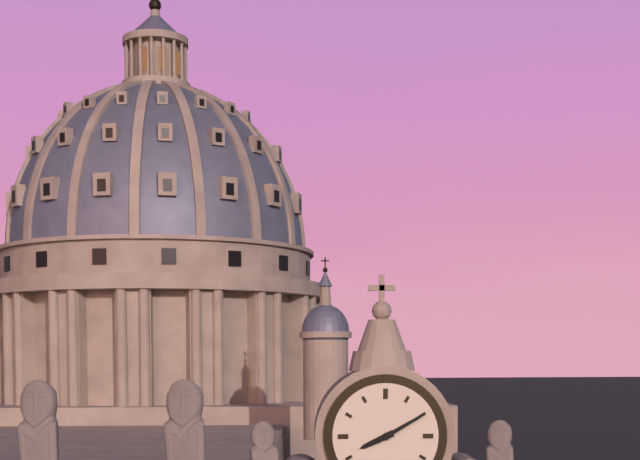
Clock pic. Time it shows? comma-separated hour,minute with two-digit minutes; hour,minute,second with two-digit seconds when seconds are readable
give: 8,10
